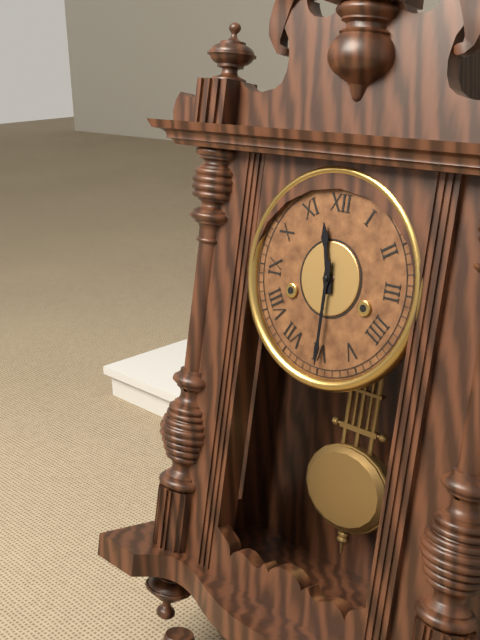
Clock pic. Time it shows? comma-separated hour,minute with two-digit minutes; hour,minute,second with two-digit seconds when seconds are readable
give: 11,30
